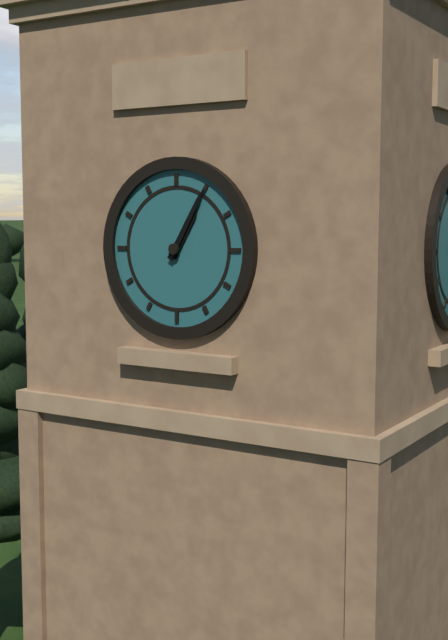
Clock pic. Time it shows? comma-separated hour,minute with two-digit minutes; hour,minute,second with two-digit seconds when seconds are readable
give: 1,05
